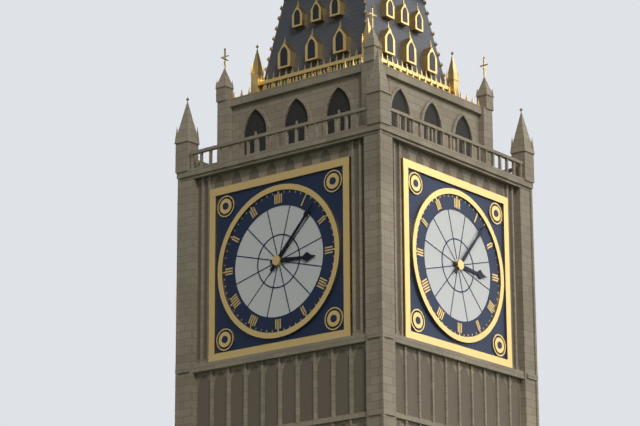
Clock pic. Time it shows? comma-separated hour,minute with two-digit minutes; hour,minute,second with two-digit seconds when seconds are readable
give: 3,07
